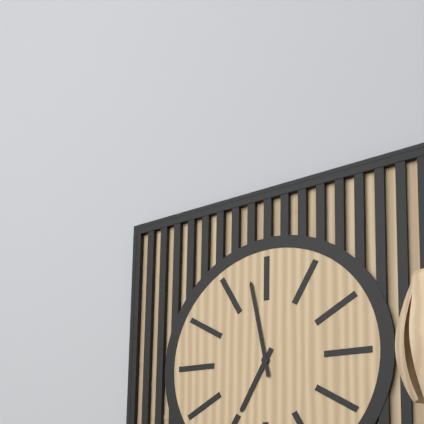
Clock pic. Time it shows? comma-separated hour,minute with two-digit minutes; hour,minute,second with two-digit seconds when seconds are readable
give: 6,58
